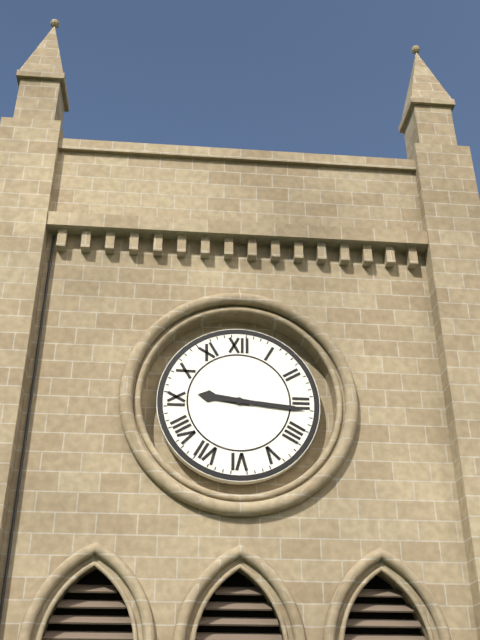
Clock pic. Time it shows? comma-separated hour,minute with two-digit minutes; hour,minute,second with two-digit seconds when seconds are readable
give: 9,16
